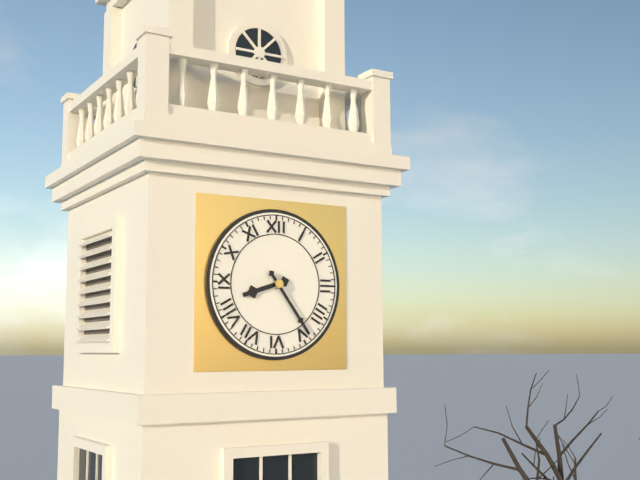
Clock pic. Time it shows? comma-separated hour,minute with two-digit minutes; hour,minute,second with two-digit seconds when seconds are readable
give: 8,24
